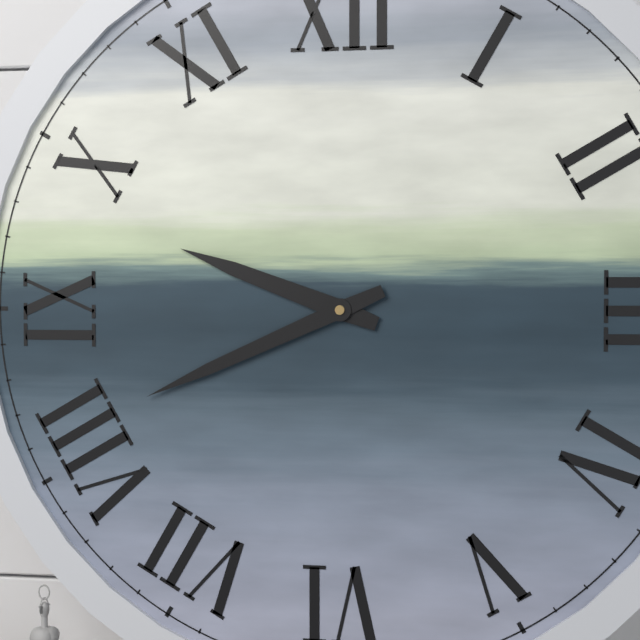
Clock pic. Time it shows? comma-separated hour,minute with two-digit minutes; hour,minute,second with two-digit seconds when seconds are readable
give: 9,41
